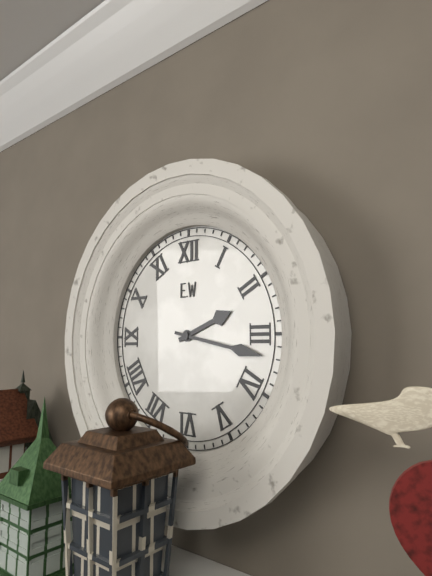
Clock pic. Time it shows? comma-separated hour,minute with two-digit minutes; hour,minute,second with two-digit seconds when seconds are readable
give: 2,17
